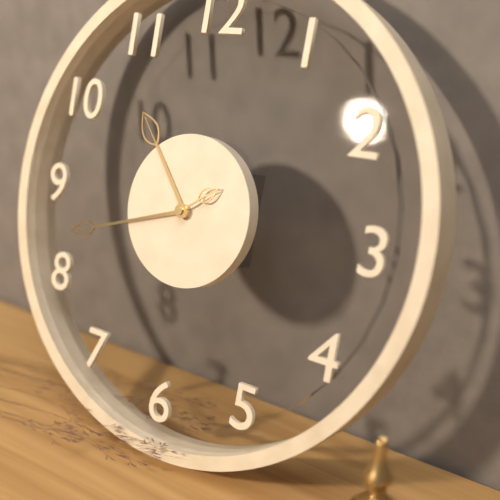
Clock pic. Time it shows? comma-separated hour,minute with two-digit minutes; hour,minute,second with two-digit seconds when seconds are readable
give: 10,42,09
